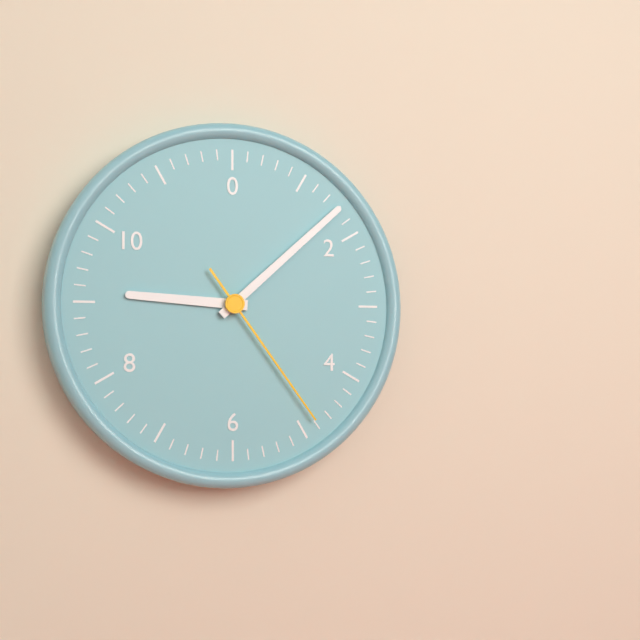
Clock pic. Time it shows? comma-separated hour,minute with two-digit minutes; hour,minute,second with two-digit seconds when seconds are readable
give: 9,08,24
